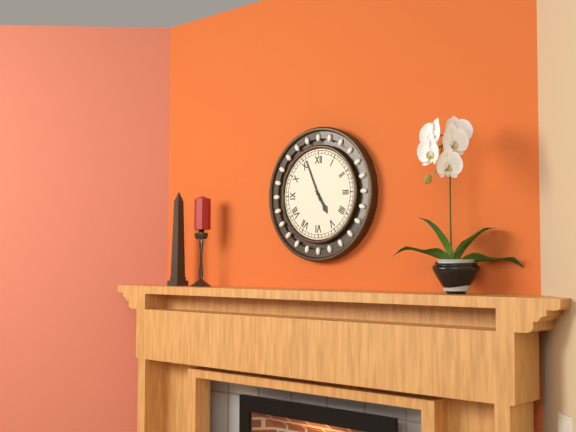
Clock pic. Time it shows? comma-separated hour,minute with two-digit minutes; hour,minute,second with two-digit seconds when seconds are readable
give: 4,56
